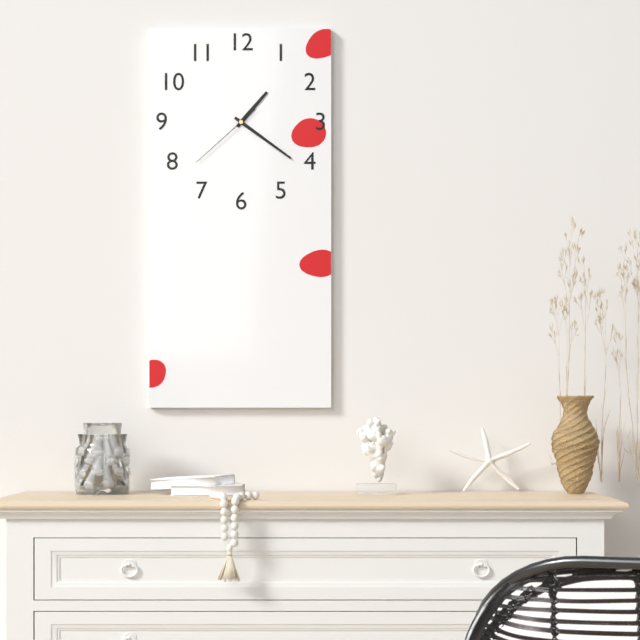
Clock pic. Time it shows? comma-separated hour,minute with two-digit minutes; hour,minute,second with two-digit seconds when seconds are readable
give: 1,21,38
